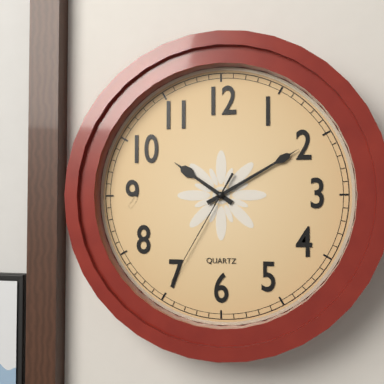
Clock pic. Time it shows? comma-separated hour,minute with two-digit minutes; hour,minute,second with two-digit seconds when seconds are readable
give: 10,10,35
